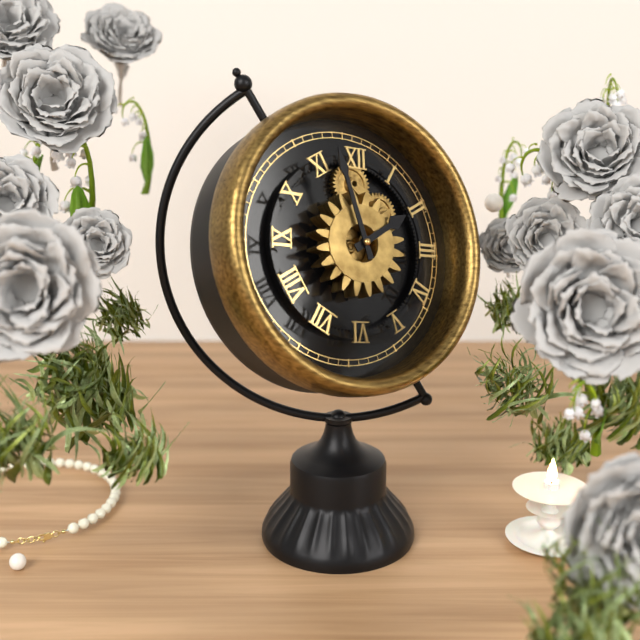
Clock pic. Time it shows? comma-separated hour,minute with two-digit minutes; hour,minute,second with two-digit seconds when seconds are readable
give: 1,57
